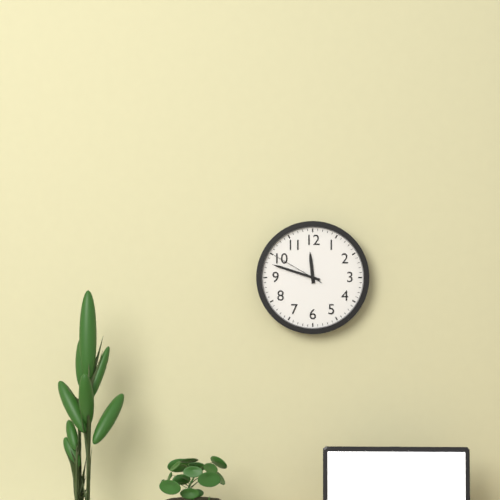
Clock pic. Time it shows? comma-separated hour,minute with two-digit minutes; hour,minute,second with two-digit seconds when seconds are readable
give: 11,48,50
